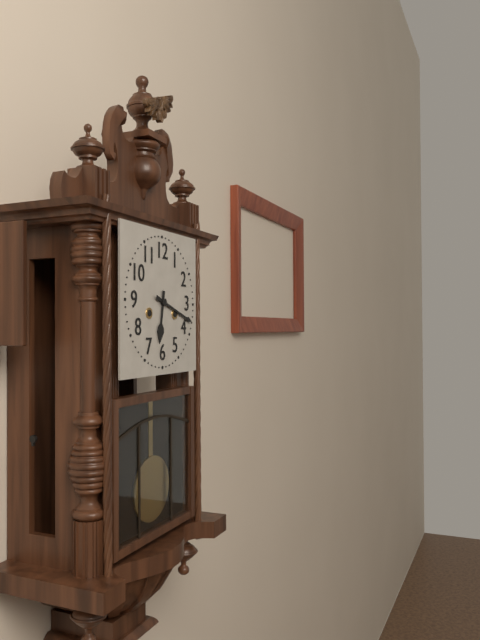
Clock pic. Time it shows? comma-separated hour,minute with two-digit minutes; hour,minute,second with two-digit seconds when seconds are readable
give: 6,18
